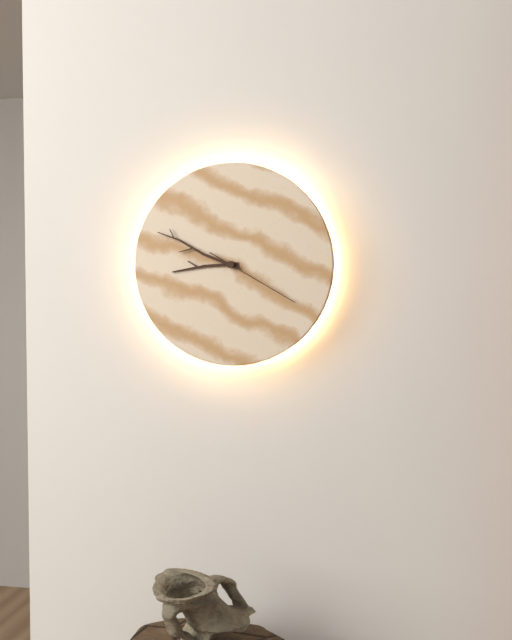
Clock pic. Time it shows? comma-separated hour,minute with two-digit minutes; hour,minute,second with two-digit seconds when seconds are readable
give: 8,49,20
